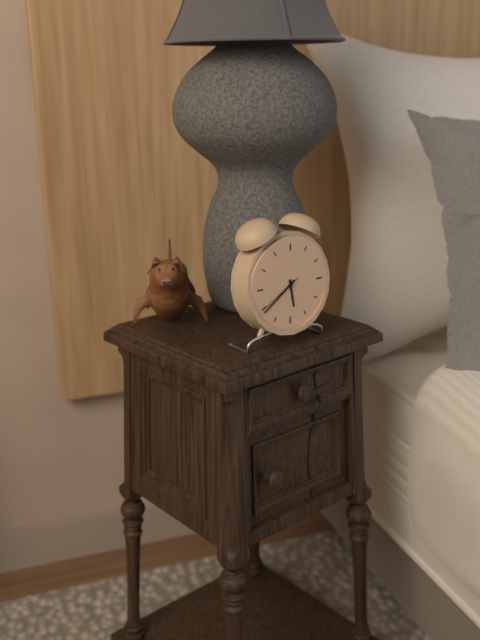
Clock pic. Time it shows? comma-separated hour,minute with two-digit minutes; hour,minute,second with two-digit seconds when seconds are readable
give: 5,39
